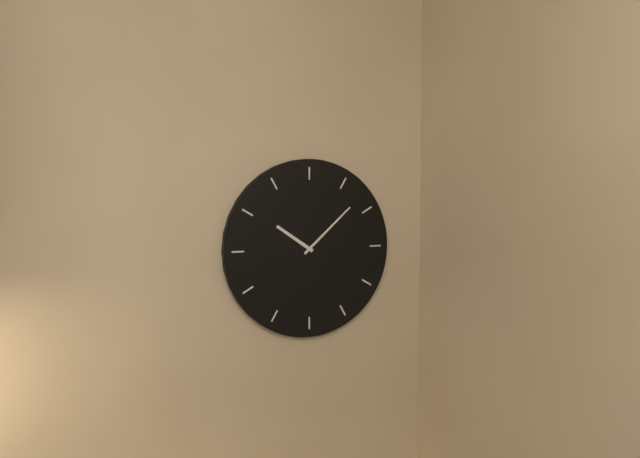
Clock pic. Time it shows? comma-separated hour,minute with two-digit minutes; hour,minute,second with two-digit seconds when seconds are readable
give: 10,08
